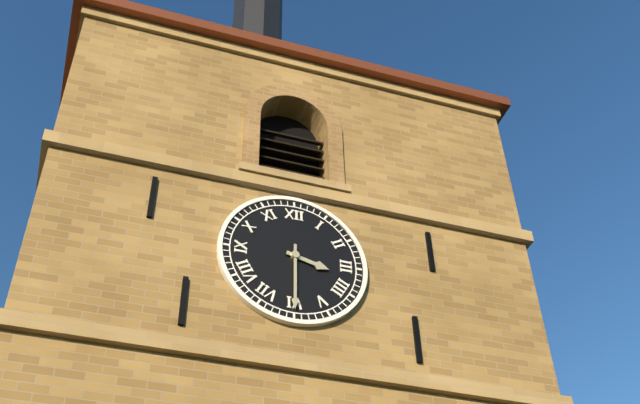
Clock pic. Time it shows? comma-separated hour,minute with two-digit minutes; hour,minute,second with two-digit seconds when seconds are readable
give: 3,30
